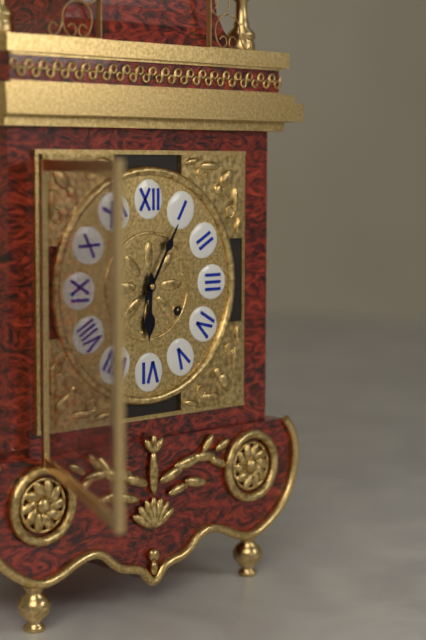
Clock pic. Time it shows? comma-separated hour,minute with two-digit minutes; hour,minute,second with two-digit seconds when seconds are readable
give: 6,05
